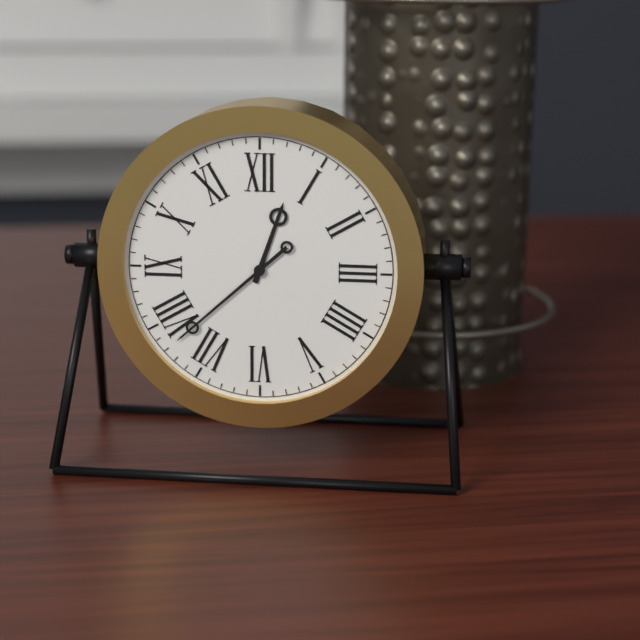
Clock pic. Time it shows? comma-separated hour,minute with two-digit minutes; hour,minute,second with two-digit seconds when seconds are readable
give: 12,38
